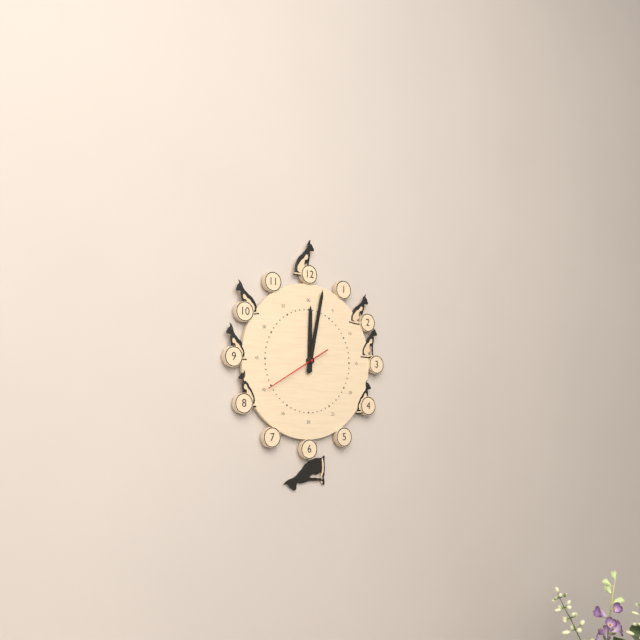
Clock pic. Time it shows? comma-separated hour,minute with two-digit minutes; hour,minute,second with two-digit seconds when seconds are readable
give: 12,02,40
